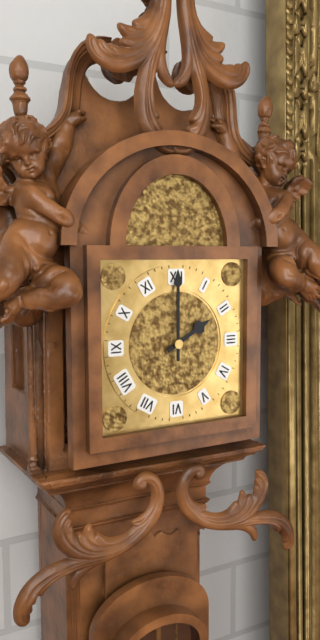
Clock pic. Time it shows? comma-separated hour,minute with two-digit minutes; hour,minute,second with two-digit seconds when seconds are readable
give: 2,00
